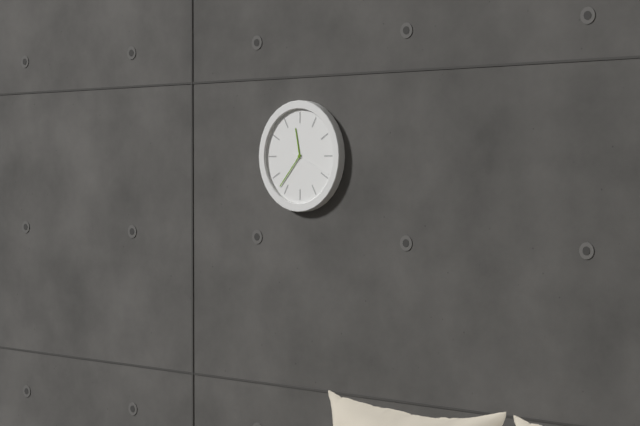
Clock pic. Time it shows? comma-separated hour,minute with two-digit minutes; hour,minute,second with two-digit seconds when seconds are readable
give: 11,37
